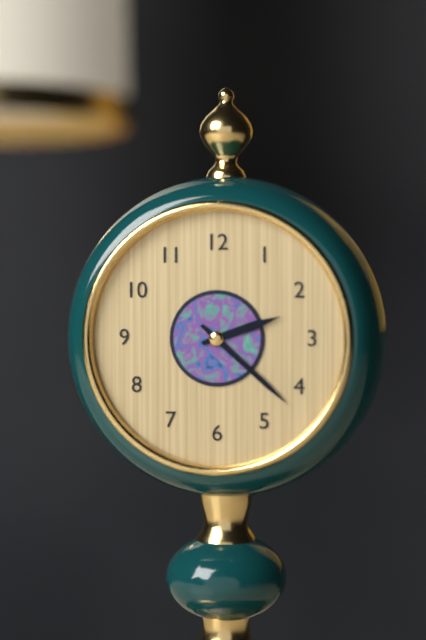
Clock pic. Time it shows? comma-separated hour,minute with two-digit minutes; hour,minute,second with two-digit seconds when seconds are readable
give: 2,22
